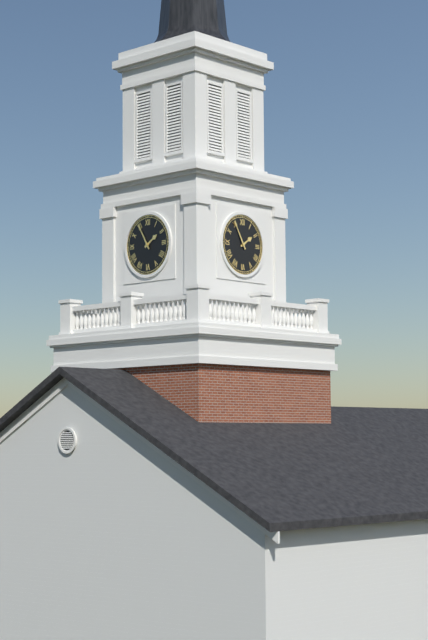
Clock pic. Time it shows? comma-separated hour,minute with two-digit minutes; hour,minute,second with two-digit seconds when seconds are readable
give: 1,55
